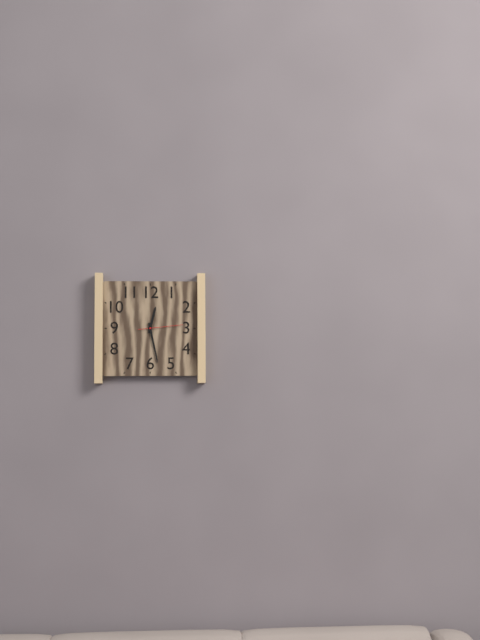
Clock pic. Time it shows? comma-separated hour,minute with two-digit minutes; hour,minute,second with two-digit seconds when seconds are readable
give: 12,28
